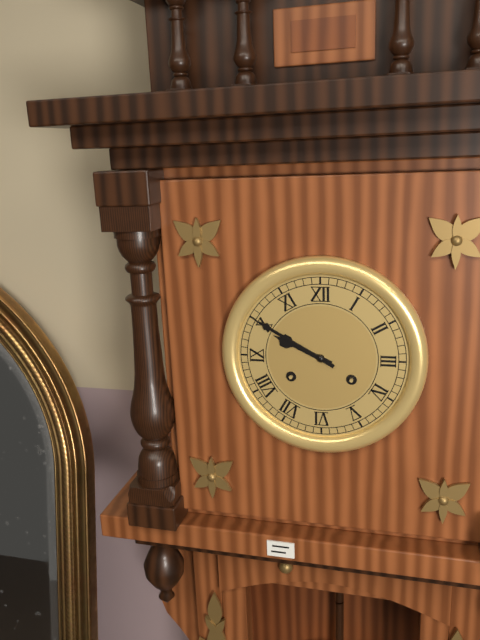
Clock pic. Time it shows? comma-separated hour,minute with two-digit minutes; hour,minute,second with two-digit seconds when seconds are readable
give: 9,50
